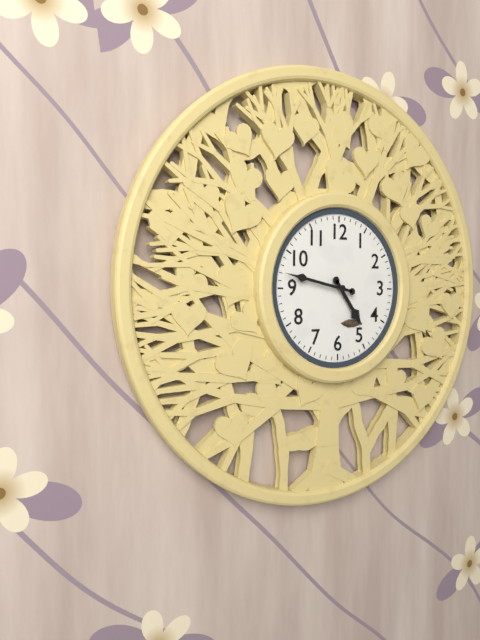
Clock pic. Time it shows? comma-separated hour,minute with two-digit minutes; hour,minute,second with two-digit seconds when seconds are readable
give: 4,47
